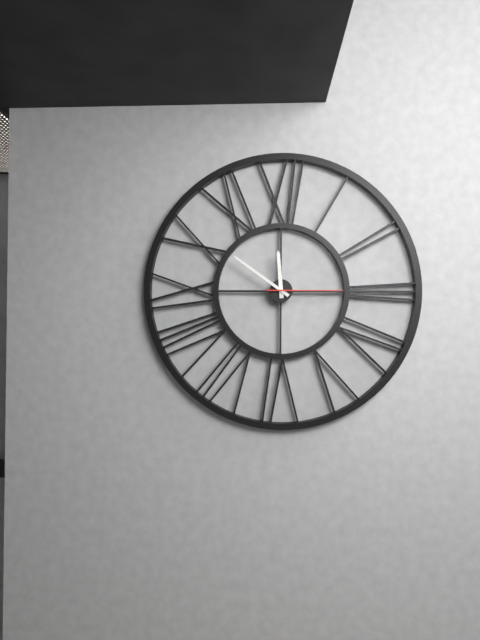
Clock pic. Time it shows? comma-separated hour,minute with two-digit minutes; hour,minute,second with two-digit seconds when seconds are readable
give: 11,51,15
